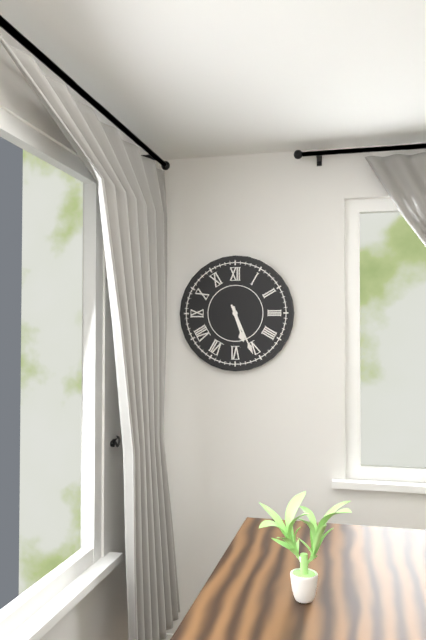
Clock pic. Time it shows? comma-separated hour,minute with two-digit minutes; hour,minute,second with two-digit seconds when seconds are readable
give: 5,26
